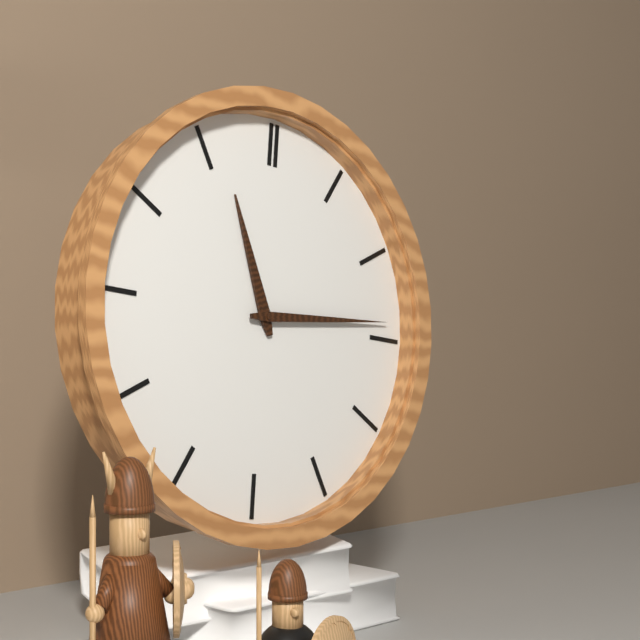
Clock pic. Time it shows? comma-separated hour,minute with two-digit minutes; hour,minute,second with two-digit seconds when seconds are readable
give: 11,14
